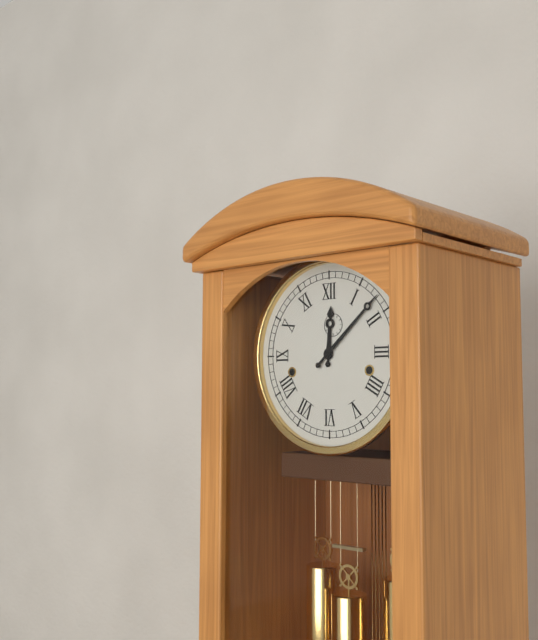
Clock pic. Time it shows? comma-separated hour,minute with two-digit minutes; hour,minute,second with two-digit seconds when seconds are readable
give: 12,08
